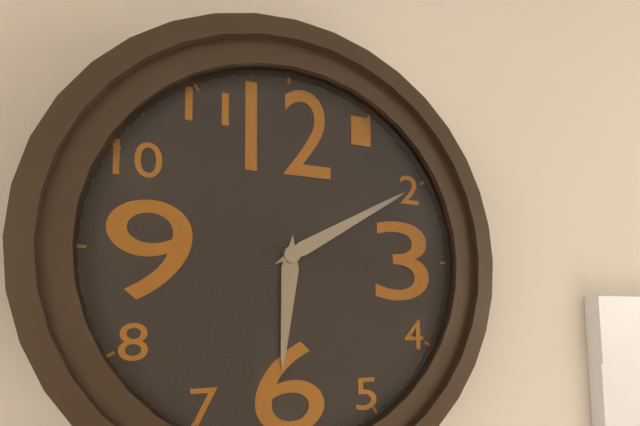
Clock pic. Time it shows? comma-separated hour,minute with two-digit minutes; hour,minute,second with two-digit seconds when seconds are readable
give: 6,10
